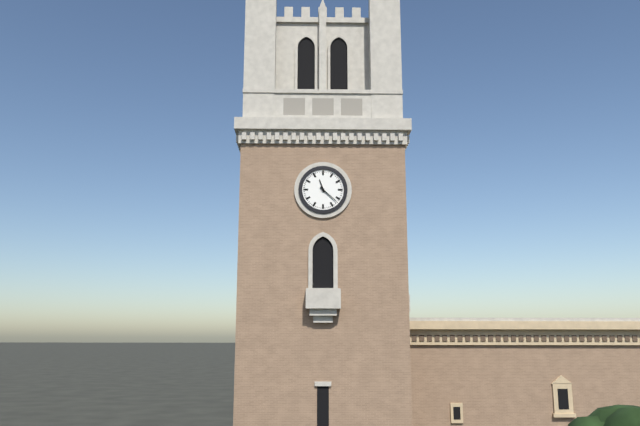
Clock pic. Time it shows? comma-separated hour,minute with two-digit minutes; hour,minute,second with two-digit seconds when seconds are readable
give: 11,22
